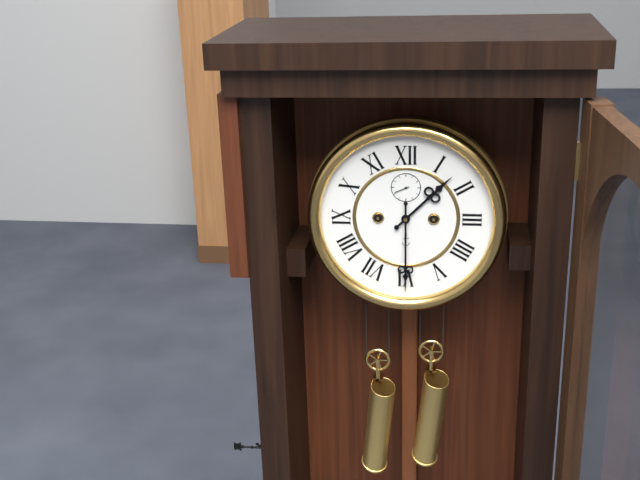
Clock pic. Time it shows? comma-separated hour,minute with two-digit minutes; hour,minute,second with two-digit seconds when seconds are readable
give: 1,30
